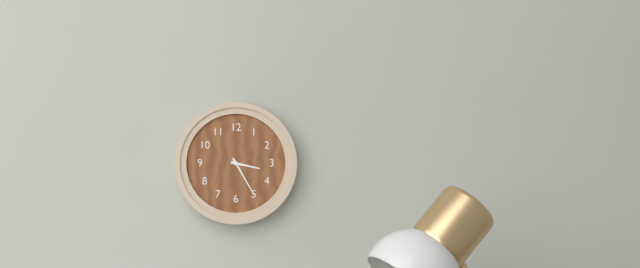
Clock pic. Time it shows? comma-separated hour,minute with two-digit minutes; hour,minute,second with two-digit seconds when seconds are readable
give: 3,25
